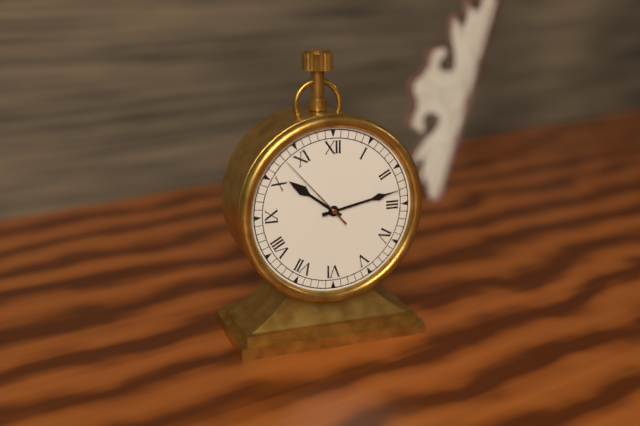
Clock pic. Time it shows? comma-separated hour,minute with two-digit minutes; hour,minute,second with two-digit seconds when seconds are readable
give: 10,13,53
